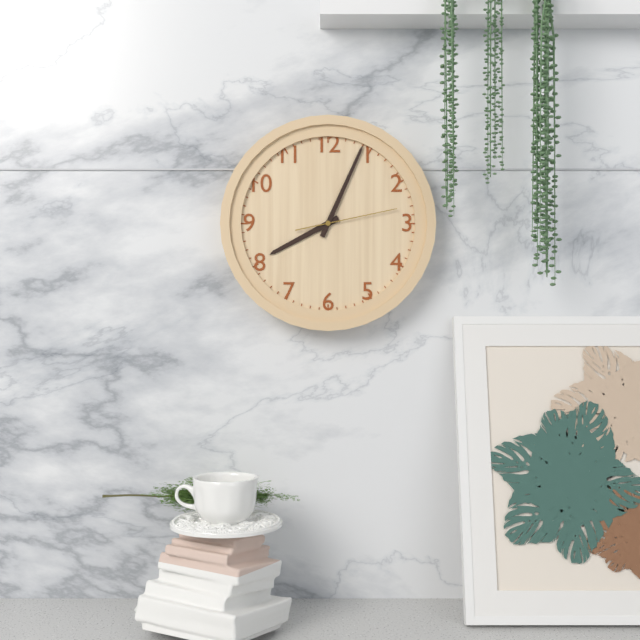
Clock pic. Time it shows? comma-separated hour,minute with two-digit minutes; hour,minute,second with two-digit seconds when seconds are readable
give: 8,04,13
